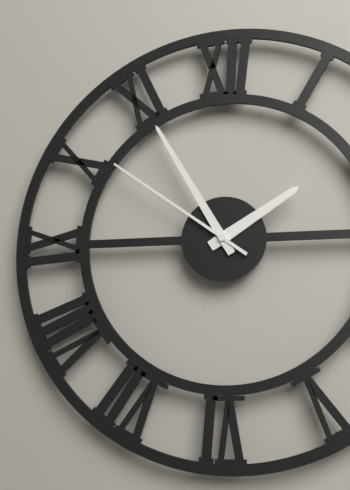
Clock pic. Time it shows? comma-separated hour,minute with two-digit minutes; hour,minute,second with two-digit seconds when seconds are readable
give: 1,55,51
